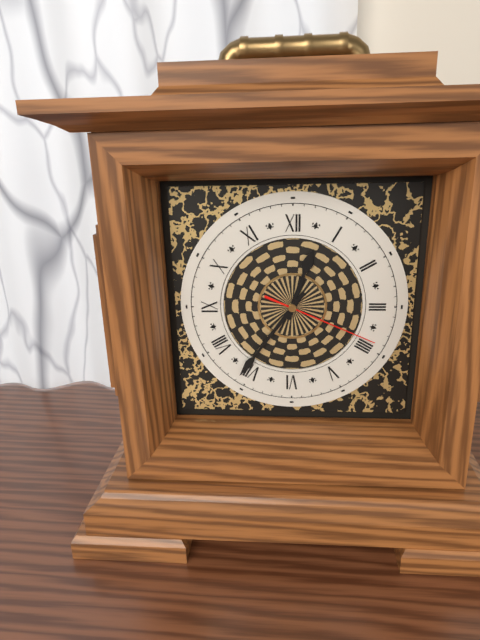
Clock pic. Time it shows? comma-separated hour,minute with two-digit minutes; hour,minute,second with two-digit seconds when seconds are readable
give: 12,36,19
